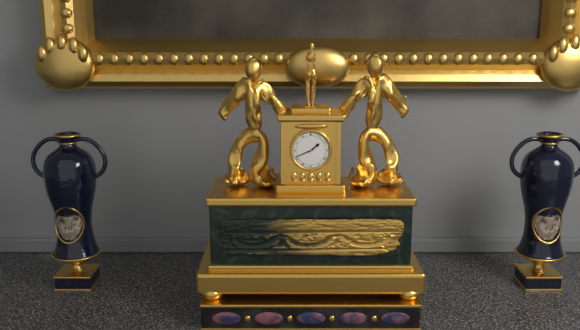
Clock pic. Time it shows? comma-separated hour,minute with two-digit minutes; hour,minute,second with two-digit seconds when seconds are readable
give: 1,41
